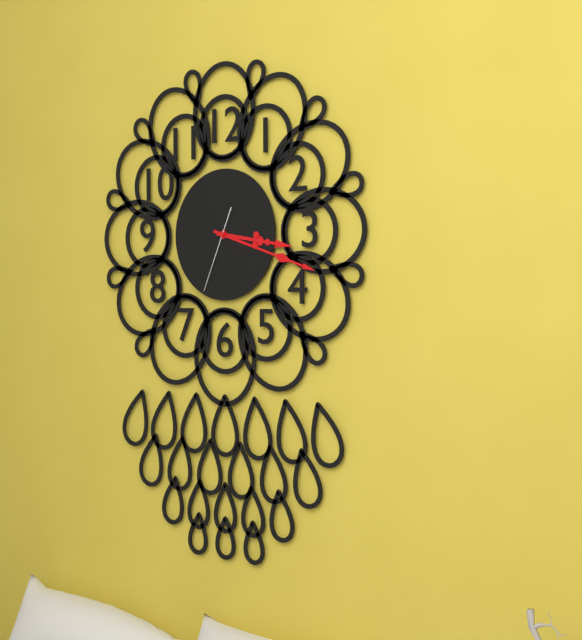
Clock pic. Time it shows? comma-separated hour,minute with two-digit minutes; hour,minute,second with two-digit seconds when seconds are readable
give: 3,18,34
